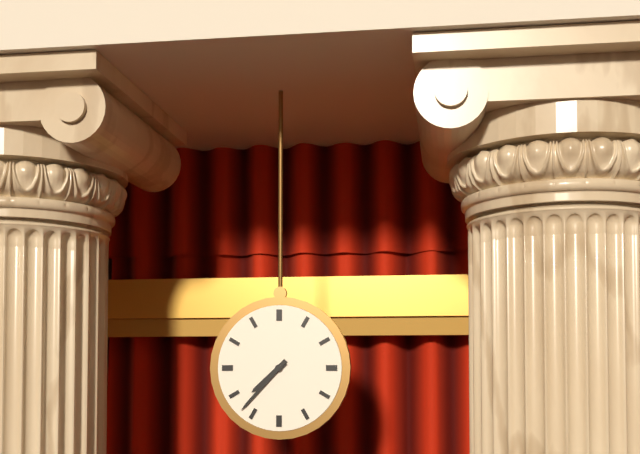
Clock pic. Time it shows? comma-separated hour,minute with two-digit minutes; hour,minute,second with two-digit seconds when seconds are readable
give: 7,37
